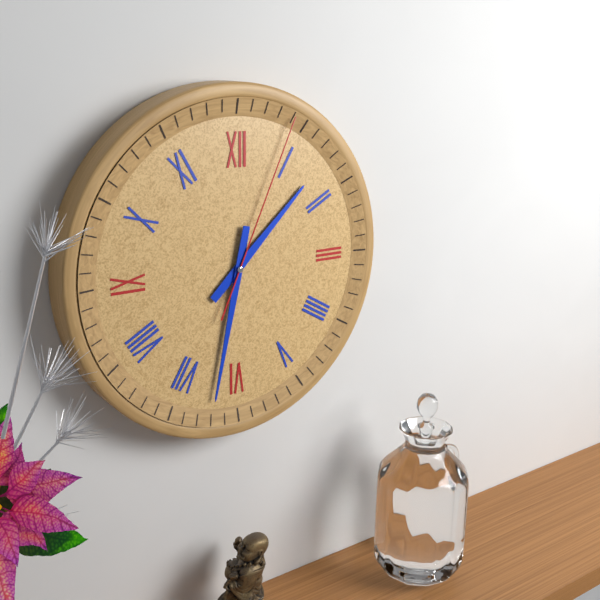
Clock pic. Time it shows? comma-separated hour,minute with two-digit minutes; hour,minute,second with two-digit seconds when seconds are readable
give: 1,32,04
